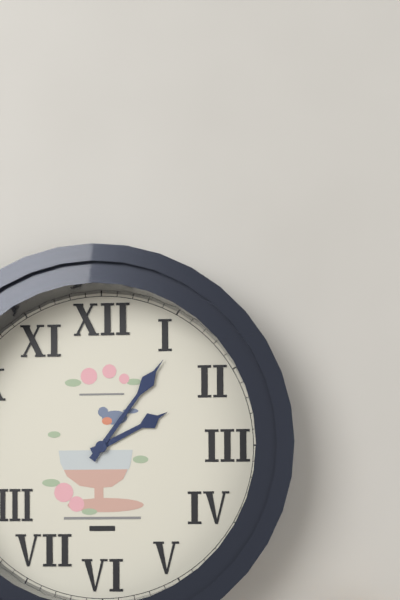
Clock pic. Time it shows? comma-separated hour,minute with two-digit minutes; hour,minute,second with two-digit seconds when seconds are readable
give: 2,06
